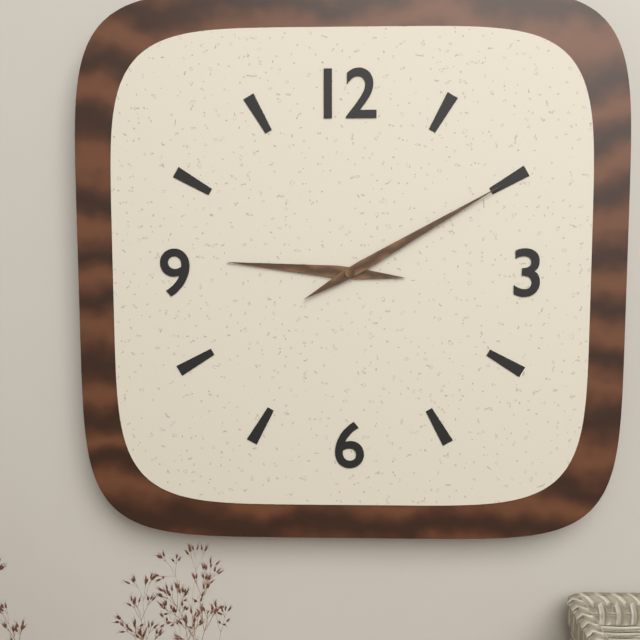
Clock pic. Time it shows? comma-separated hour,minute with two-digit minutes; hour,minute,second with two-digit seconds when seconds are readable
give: 9,10
